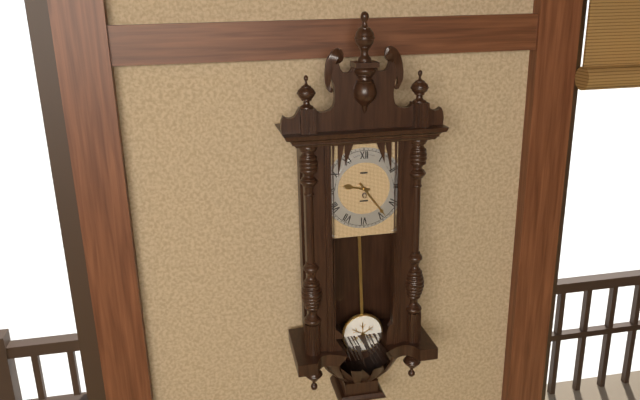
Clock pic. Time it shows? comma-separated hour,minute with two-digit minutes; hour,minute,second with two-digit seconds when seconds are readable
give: 9,24
